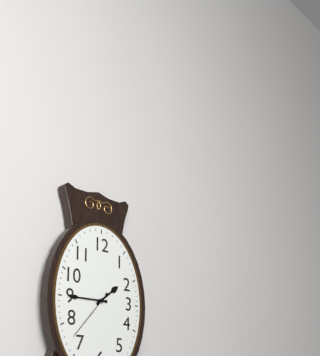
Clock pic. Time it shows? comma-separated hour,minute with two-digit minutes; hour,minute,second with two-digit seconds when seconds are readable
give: 1,45,37
